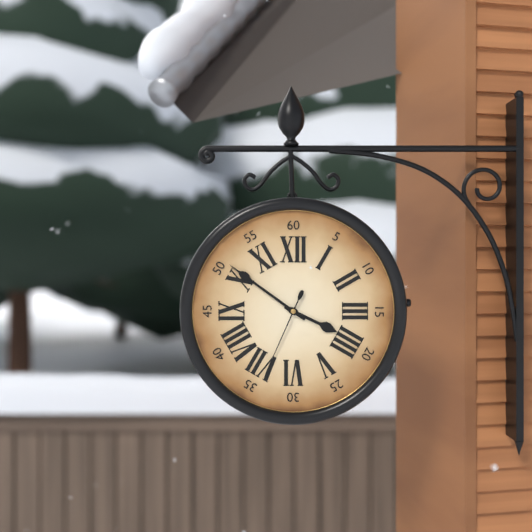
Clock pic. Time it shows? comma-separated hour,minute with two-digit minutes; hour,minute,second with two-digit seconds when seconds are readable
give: 3,51,34
